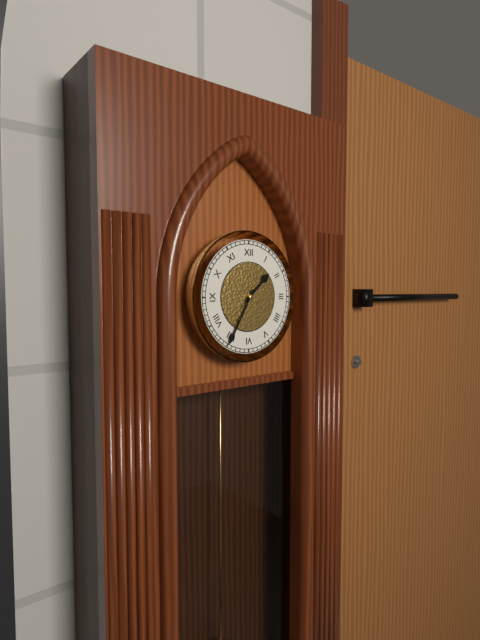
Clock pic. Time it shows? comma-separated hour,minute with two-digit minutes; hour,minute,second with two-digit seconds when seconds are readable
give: 1,35
